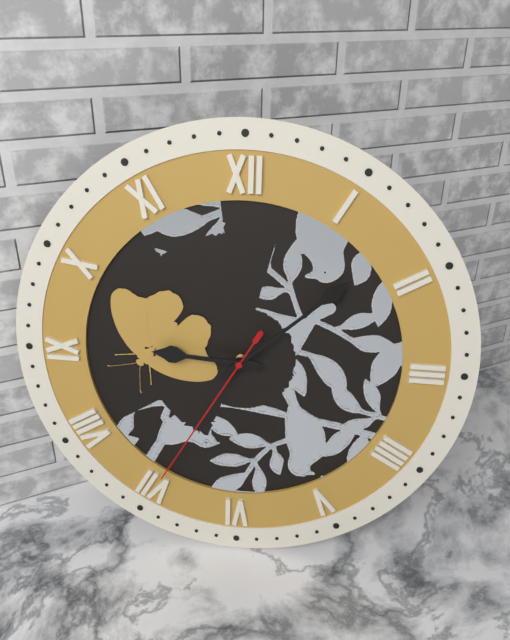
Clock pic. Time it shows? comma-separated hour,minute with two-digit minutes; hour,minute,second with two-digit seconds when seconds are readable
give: 9,08,35
